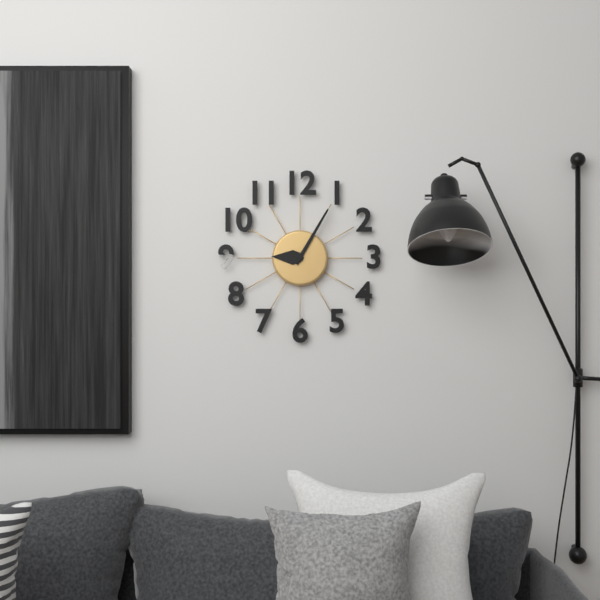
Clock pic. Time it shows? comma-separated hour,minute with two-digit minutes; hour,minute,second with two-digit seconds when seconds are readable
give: 9,05
